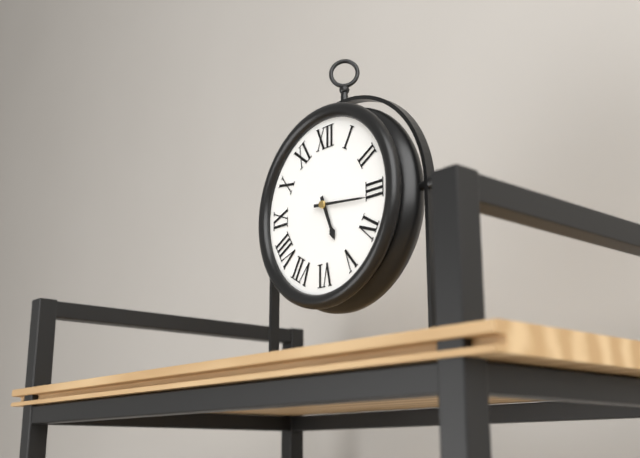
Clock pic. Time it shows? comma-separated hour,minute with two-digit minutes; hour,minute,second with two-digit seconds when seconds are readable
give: 5,16
